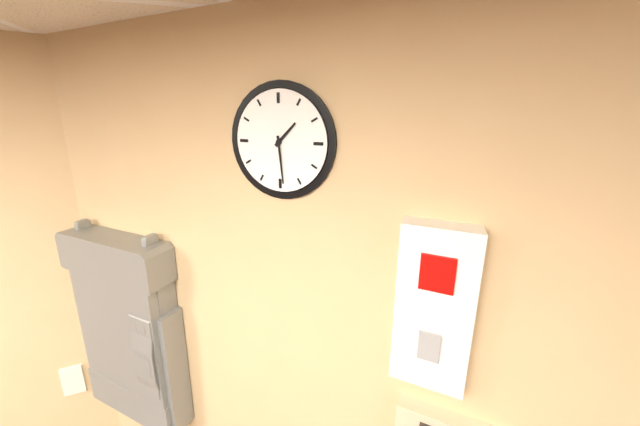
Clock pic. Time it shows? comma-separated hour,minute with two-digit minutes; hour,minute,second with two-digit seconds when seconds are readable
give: 1,29
